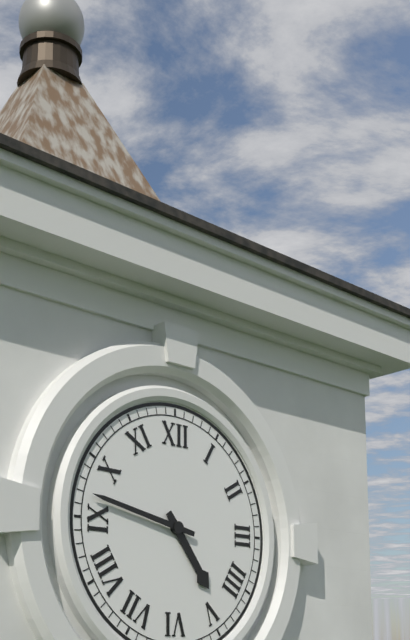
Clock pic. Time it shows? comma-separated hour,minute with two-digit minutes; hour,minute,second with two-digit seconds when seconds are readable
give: 4,47
